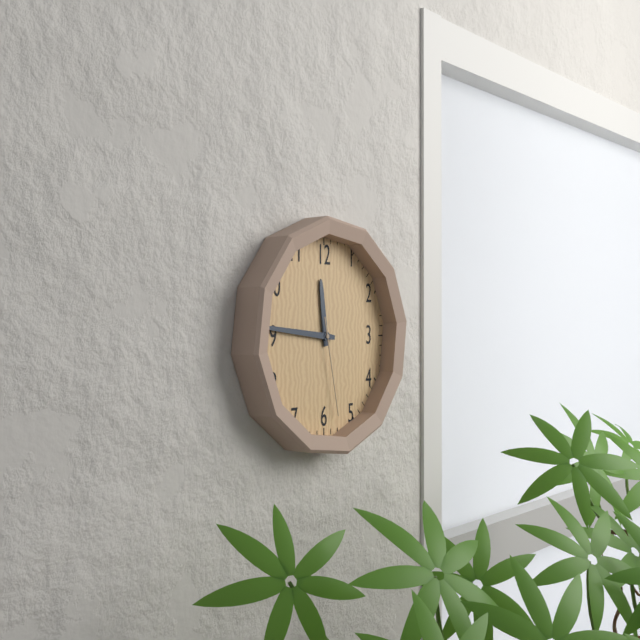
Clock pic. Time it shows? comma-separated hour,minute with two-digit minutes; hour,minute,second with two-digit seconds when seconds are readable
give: 11,46,28
